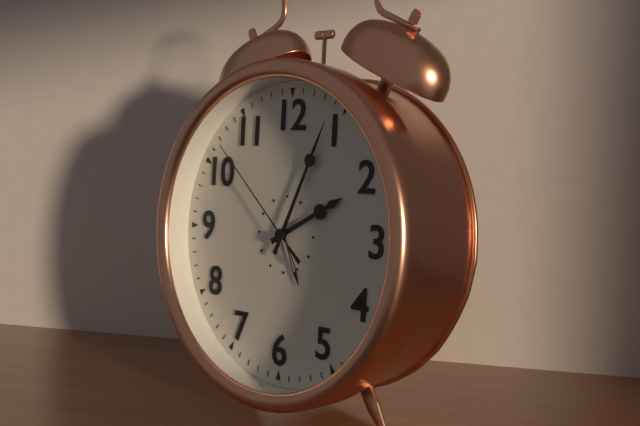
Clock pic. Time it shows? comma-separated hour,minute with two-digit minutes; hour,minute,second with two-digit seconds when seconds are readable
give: 2,04,52
